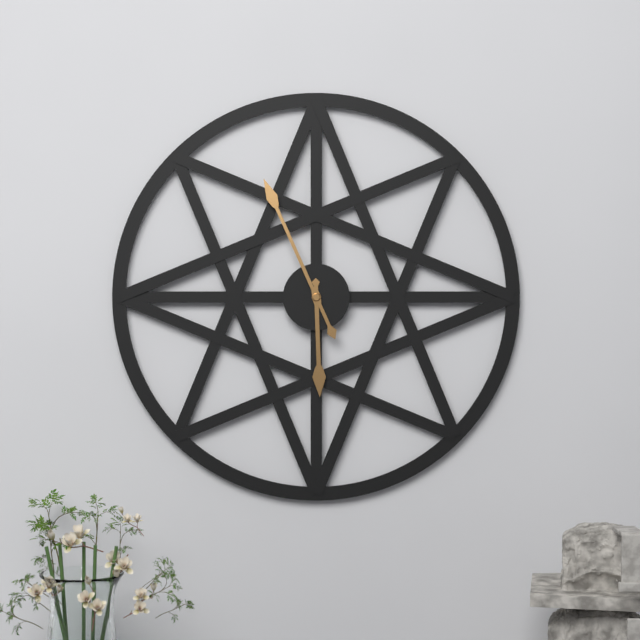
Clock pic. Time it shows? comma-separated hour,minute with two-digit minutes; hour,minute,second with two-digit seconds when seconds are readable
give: 5,56
